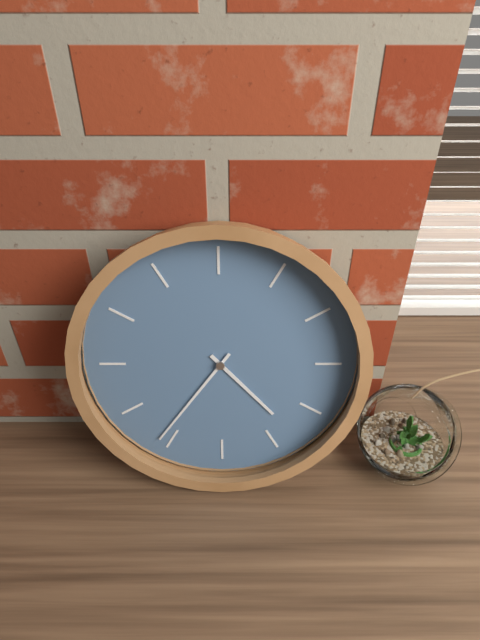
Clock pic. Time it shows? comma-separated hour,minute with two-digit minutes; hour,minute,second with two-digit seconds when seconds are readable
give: 4,36
